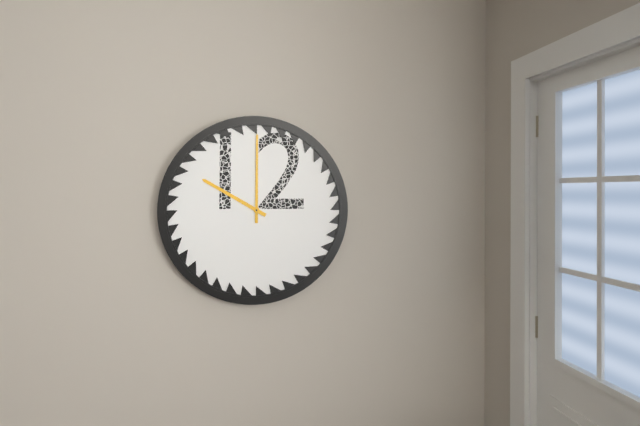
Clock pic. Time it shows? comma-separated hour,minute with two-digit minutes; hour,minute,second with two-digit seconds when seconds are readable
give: 10,00
